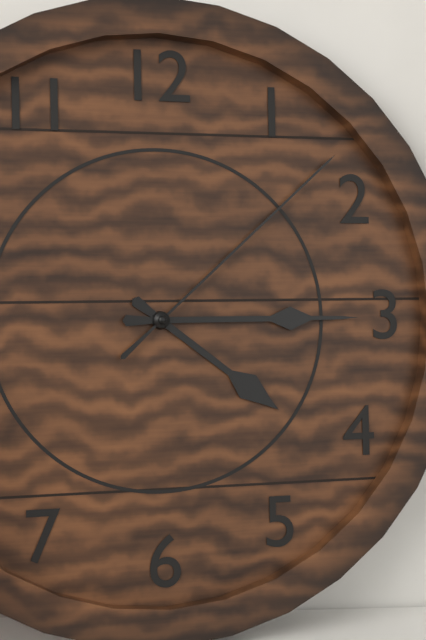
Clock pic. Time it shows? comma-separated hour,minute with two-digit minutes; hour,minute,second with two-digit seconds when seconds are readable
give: 4,15,08
